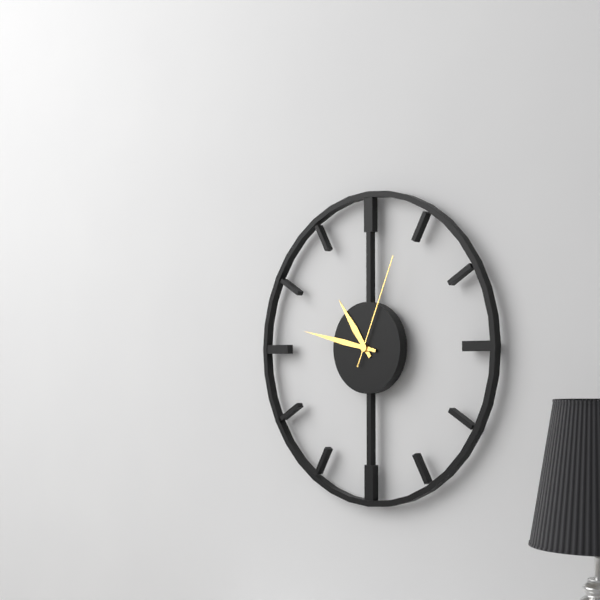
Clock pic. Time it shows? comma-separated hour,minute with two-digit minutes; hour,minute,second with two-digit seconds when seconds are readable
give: 10,47,04
